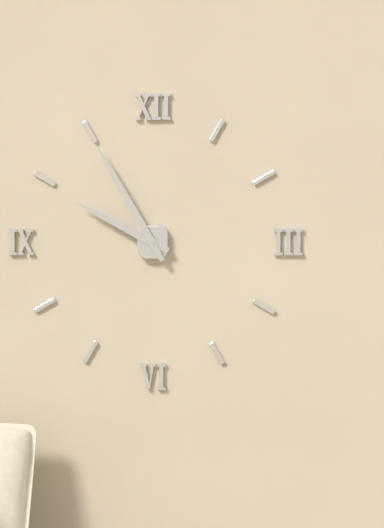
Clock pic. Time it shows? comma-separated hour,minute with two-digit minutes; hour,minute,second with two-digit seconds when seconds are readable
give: 9,55
